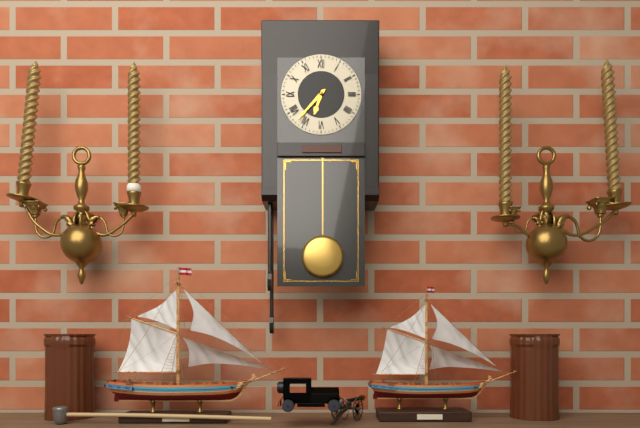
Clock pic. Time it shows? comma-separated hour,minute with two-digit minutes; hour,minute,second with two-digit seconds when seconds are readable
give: 6,37
